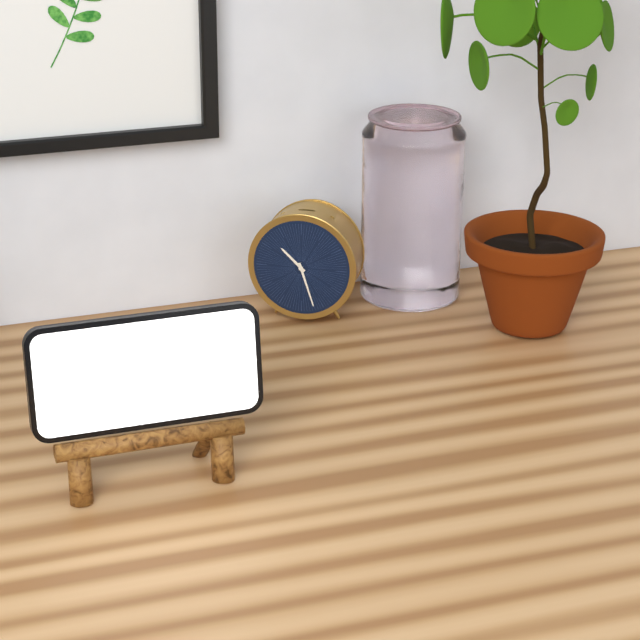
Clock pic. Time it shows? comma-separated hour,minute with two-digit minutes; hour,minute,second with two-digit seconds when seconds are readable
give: 10,27
